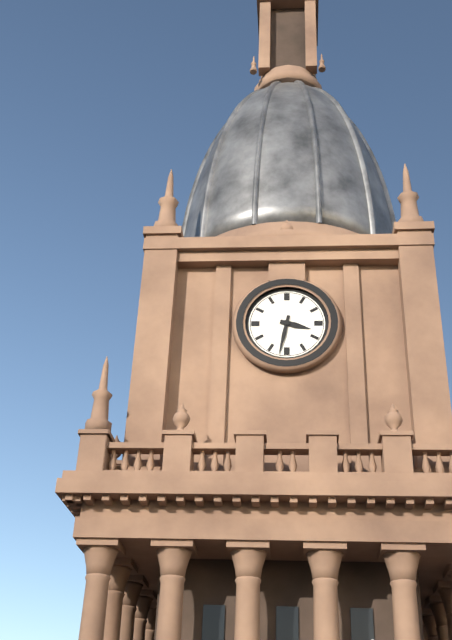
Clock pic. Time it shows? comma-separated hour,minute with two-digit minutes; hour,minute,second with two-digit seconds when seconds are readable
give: 3,32
